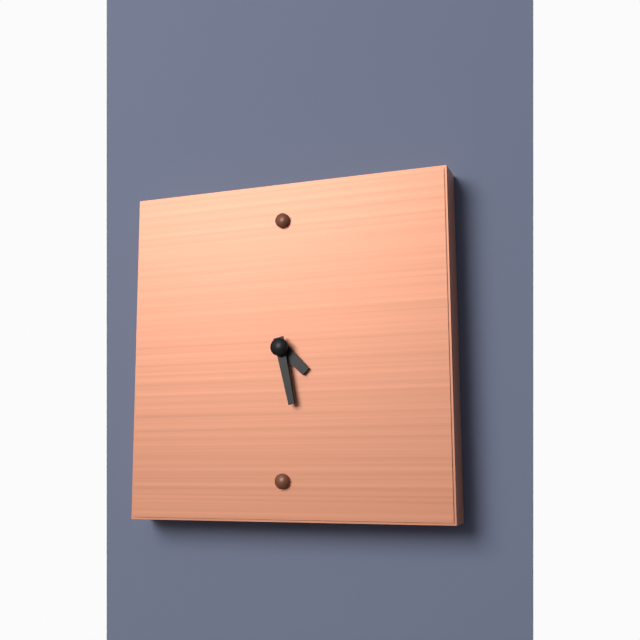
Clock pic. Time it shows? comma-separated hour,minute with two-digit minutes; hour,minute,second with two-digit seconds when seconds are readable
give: 4,28
